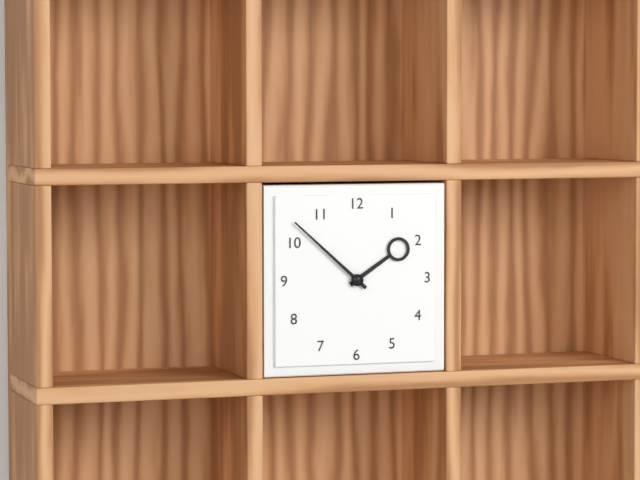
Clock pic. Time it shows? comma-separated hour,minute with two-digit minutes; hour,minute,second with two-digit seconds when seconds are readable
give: 1,52
